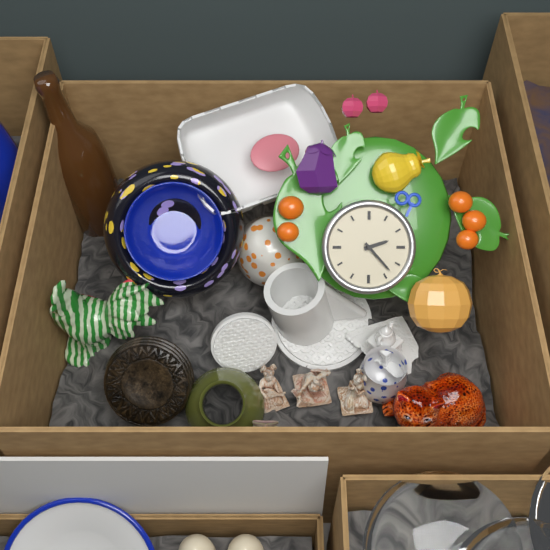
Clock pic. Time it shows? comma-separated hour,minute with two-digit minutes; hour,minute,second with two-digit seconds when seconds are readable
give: 2,23
